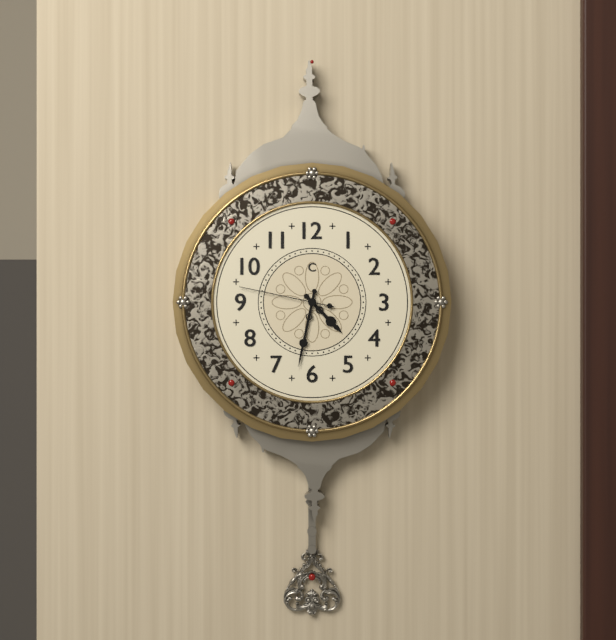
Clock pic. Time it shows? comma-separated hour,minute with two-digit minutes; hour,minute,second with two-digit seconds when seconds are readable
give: 4,32,47
